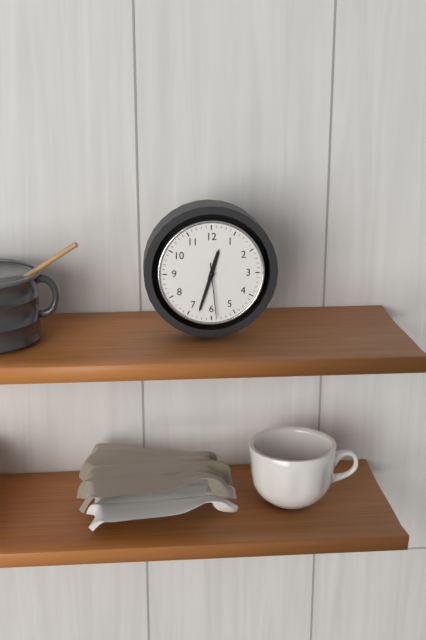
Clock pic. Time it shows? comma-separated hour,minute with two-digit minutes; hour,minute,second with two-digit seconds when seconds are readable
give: 12,33,29
